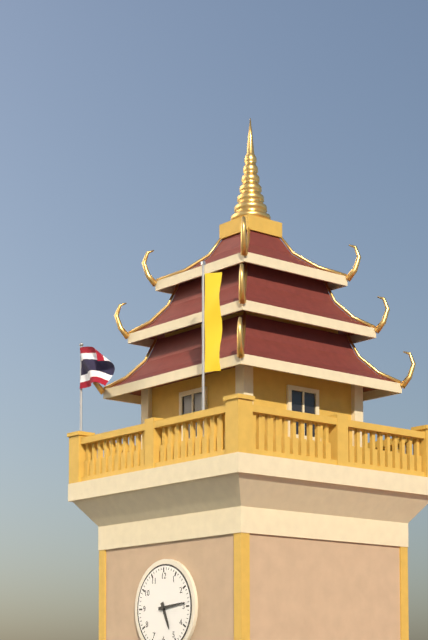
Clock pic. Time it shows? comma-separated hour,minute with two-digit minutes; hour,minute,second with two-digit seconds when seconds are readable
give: 5,14
